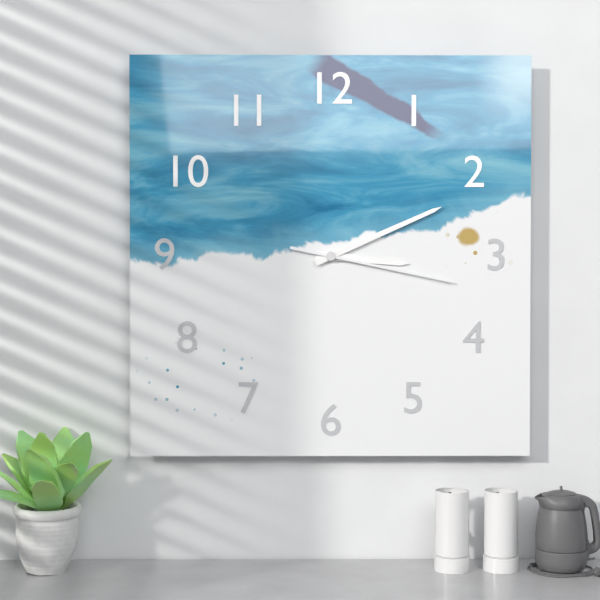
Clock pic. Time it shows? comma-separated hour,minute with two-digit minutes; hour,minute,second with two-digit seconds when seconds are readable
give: 3,11,17
